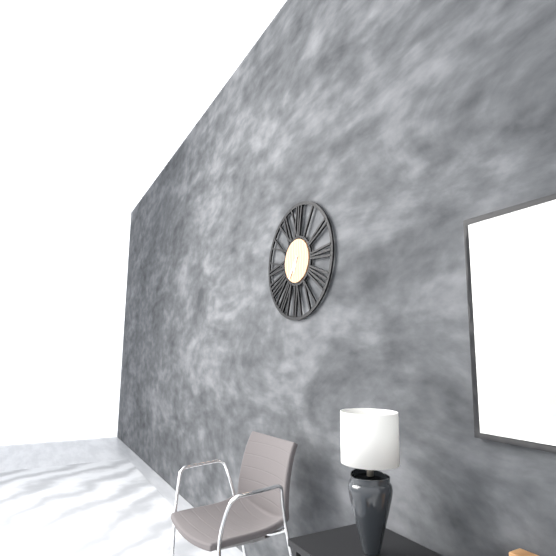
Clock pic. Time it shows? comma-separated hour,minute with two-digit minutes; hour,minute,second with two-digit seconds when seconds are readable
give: 6,36
